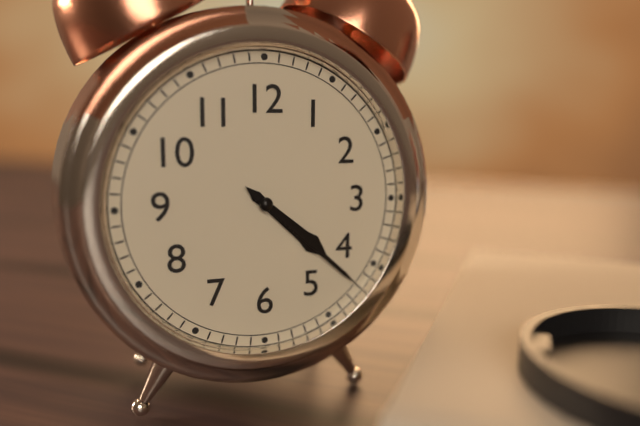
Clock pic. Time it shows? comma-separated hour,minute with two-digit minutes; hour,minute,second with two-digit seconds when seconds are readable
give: 4,22
